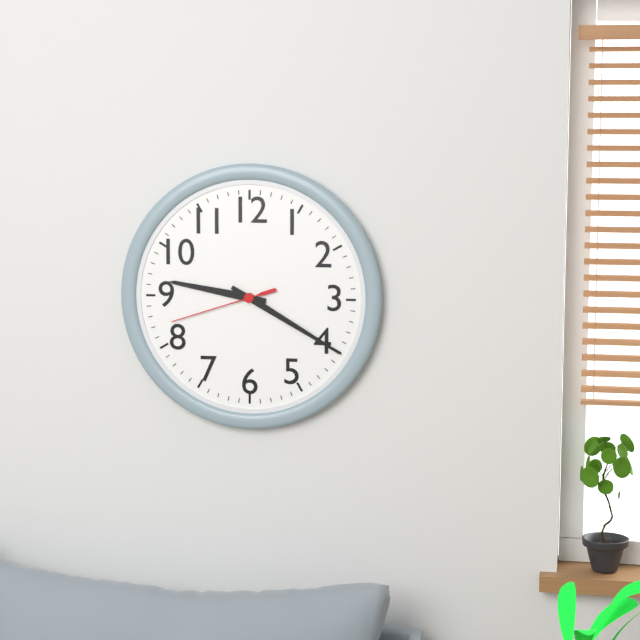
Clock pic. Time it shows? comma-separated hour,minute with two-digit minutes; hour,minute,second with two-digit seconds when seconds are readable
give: 9,20,42
